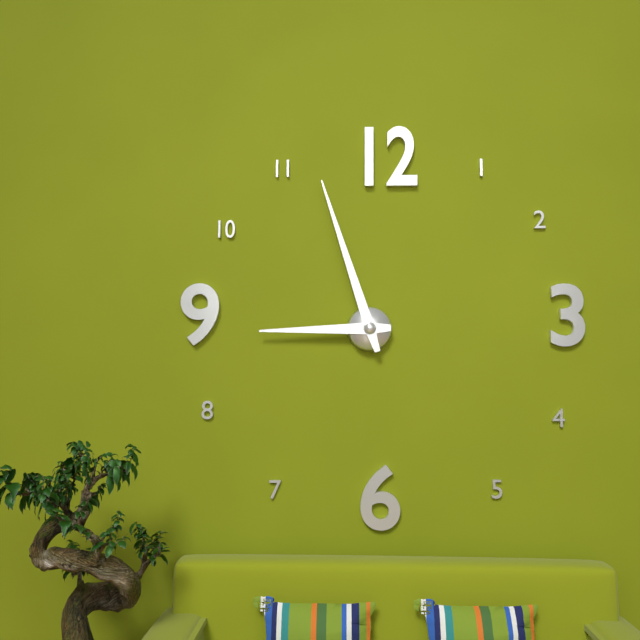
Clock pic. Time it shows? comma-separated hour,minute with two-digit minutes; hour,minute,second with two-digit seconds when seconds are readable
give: 8,57
